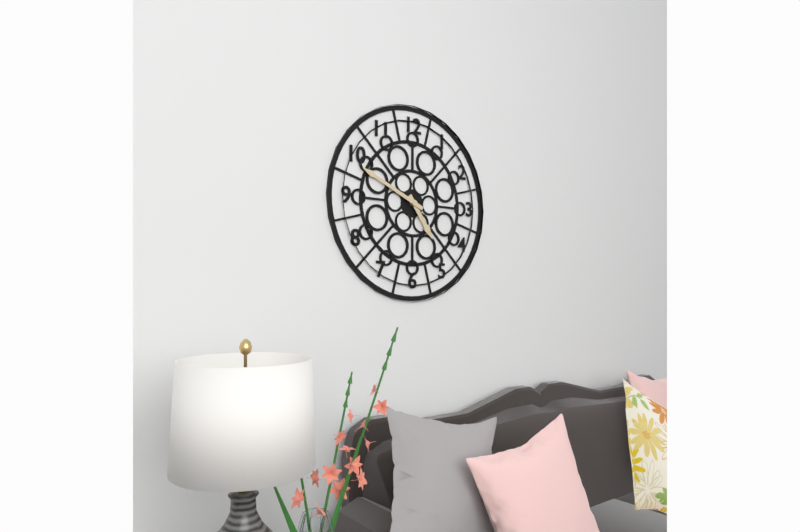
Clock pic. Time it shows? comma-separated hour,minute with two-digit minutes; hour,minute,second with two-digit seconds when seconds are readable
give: 4,49
